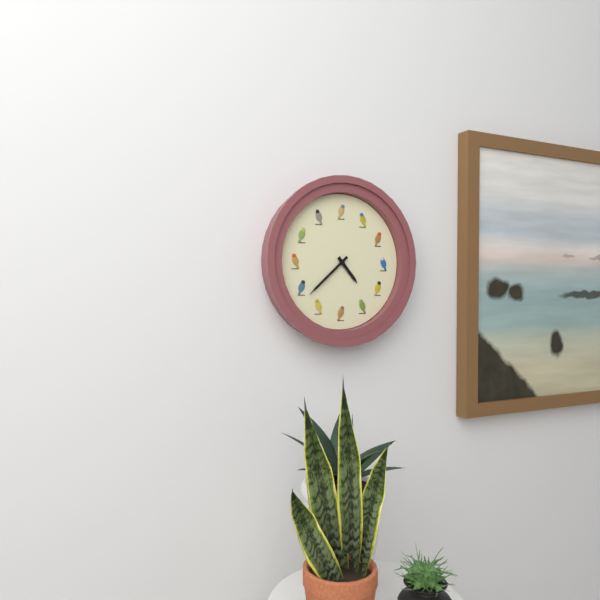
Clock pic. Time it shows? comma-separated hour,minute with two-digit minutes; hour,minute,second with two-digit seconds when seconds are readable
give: 4,38
